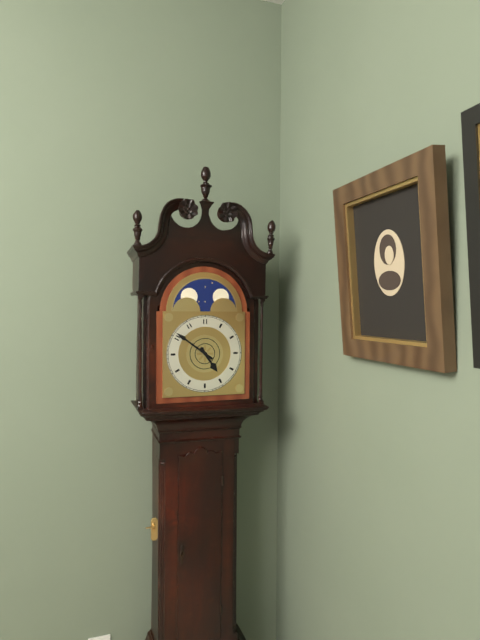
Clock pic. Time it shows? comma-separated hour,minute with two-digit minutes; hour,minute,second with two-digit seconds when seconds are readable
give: 4,51
